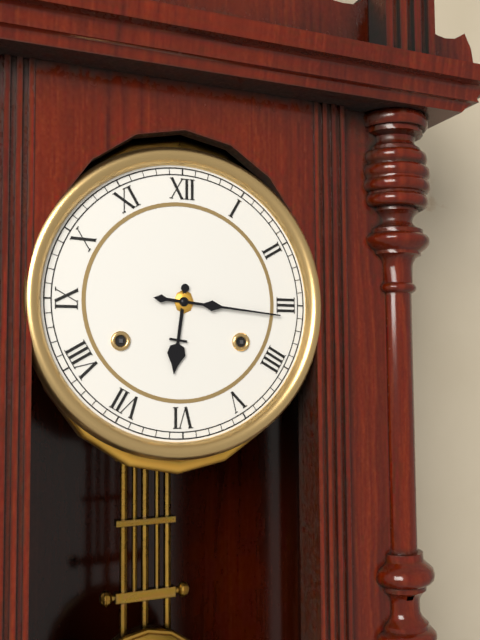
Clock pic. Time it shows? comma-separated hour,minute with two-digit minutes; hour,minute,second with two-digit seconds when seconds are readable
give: 6,16
